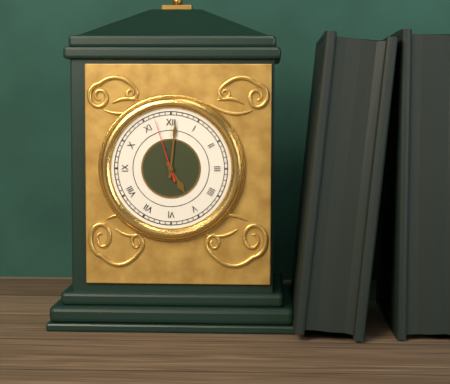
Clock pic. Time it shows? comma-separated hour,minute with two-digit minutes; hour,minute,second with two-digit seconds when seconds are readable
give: 5,01,57
